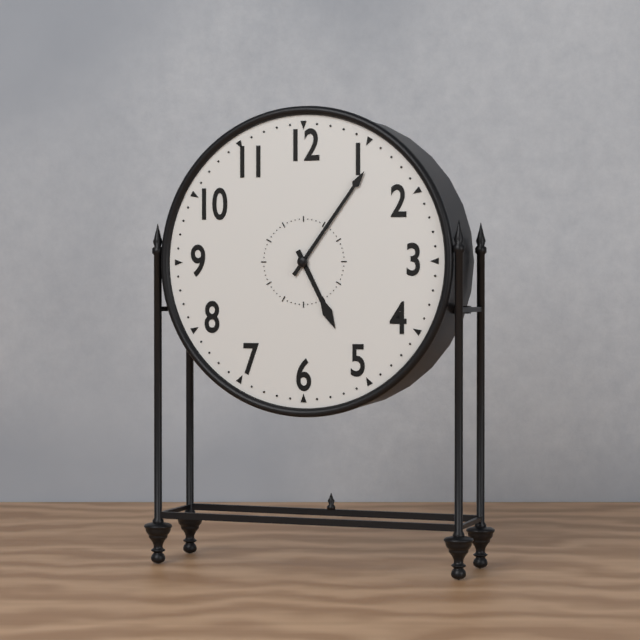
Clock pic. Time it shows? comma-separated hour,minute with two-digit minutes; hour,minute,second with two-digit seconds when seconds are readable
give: 5,06
